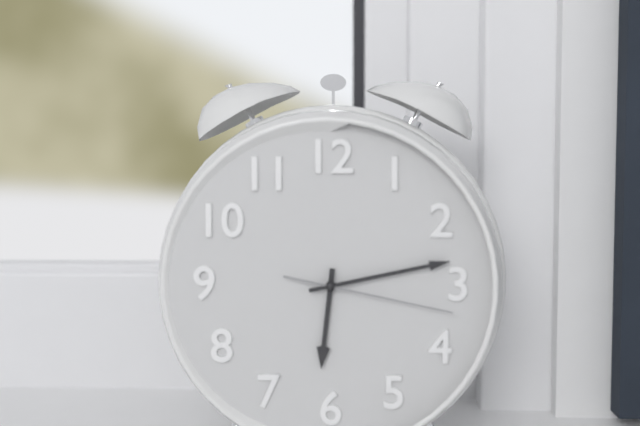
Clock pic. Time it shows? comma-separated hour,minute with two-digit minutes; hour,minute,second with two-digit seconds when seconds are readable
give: 6,13,17
